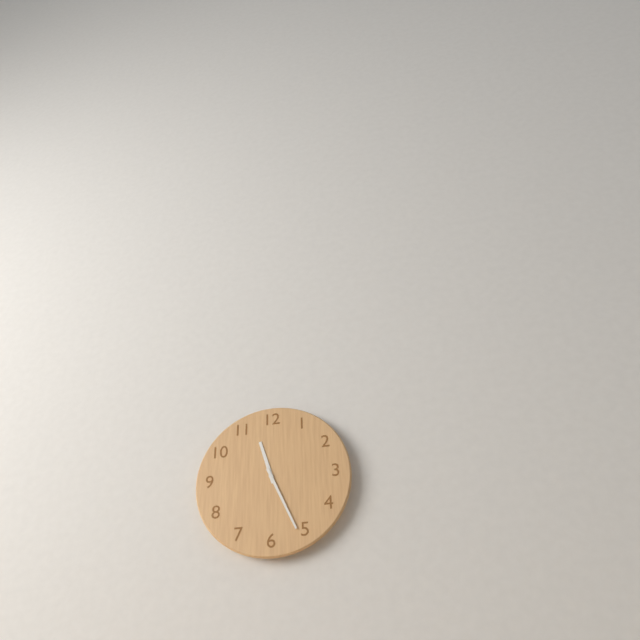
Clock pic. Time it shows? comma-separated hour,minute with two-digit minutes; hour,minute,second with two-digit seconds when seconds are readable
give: 11,26
